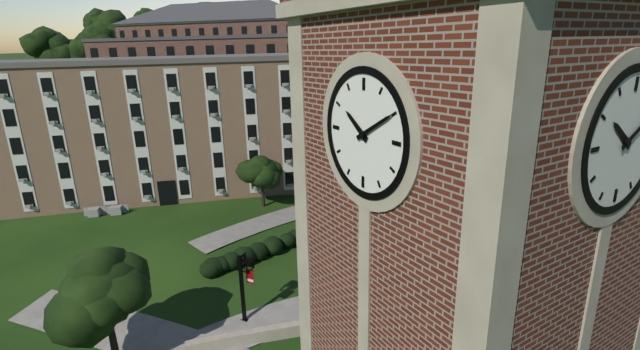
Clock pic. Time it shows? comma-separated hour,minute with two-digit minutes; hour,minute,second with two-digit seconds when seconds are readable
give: 10,10
